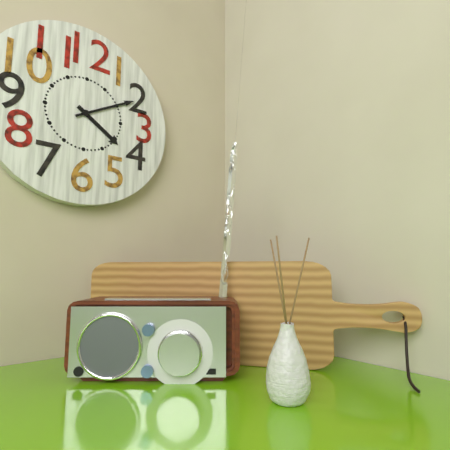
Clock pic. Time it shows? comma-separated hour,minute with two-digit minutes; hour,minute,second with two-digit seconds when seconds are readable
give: 4,10
